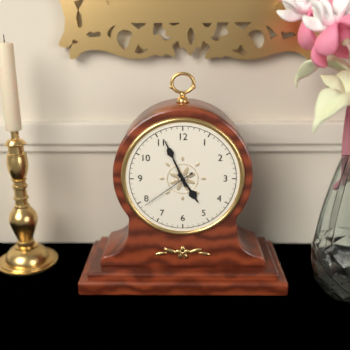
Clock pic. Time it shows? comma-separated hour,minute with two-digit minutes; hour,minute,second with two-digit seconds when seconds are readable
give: 4,56,39
